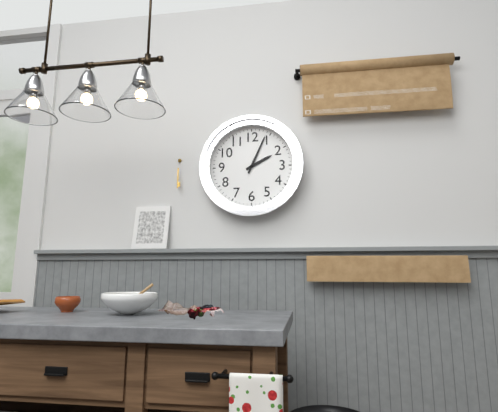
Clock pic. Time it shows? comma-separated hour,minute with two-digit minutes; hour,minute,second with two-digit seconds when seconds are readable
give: 2,04
